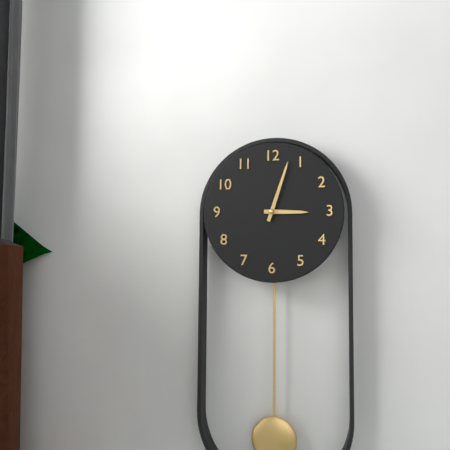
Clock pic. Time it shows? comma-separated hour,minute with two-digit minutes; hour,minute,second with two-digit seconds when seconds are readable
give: 3,03
